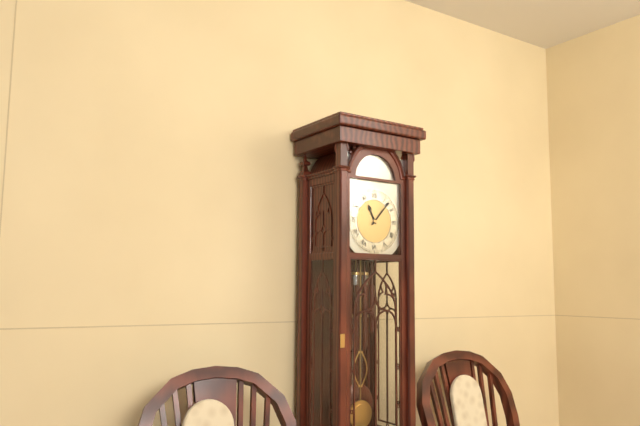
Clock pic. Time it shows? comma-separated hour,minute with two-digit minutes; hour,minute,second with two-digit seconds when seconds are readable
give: 11,07
